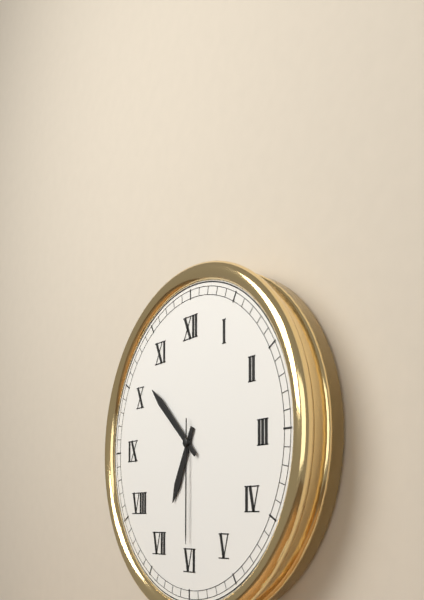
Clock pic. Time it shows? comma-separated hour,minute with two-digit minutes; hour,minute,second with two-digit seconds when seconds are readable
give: 6,52,30
